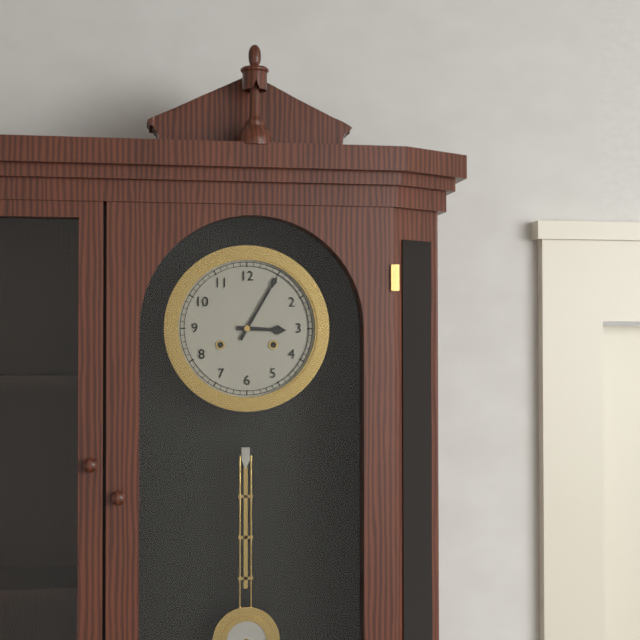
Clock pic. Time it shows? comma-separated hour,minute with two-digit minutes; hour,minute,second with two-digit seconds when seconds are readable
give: 3,05
